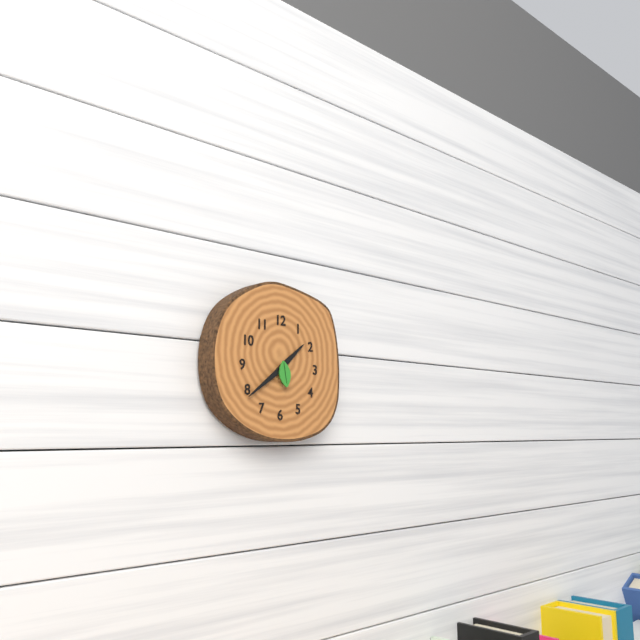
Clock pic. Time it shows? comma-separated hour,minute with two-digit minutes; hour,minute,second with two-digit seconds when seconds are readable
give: 1,39
